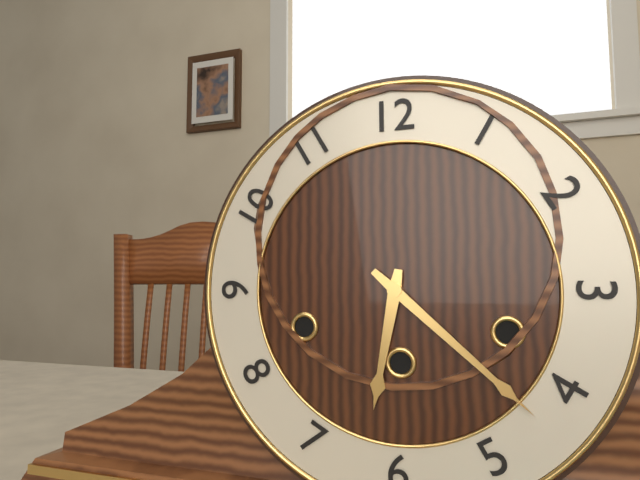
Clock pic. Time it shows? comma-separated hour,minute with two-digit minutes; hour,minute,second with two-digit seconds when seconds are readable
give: 6,22
